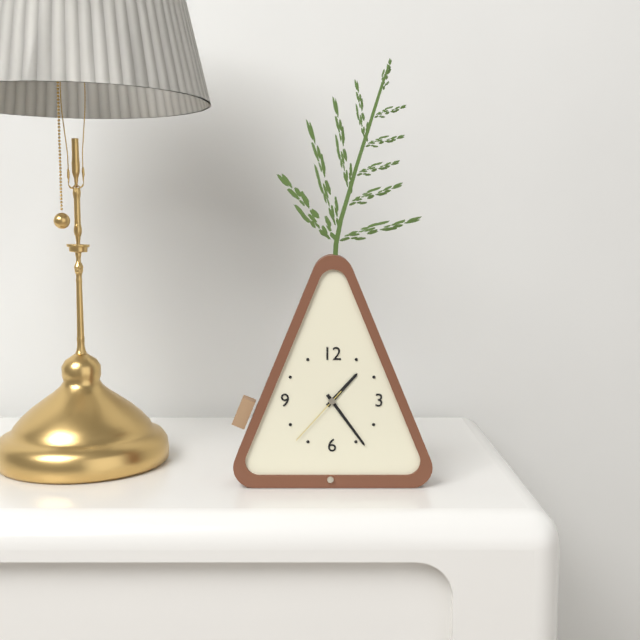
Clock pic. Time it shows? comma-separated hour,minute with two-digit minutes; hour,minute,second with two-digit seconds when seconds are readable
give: 1,24,37
